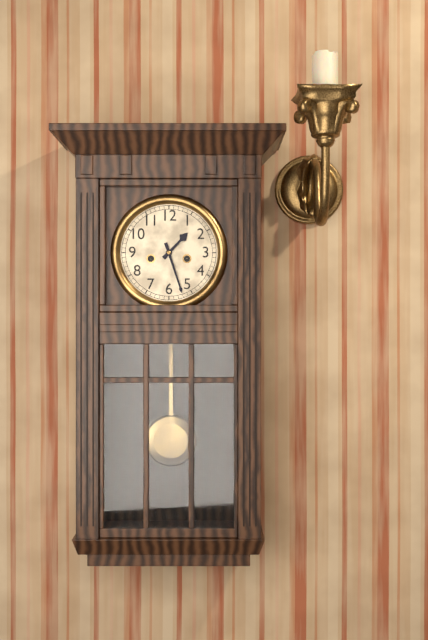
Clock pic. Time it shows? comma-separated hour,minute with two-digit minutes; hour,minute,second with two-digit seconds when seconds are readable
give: 1,27
